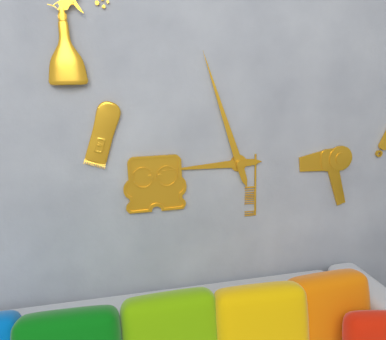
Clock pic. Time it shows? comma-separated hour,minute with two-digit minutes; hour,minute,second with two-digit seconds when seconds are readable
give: 8,57
